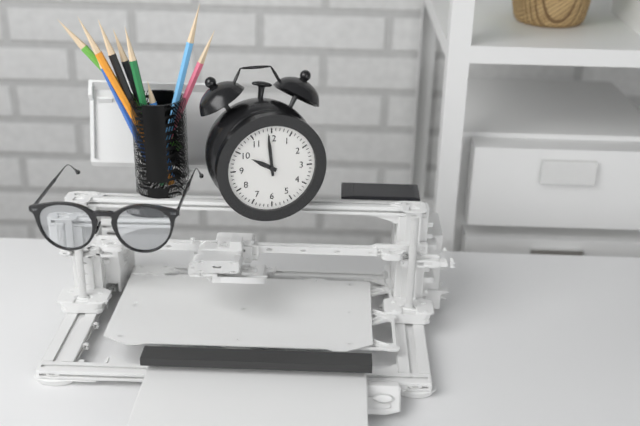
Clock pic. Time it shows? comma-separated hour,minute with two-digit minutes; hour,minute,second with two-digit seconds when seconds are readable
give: 9,59
